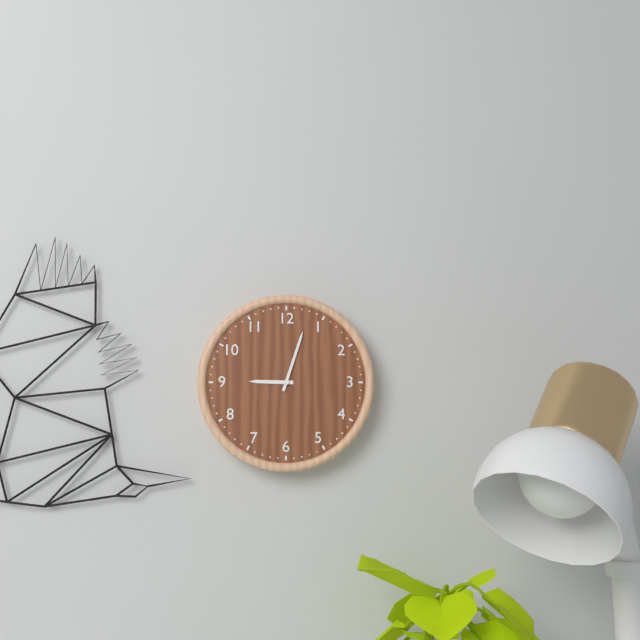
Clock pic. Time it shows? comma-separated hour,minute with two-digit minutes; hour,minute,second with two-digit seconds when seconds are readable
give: 9,03
